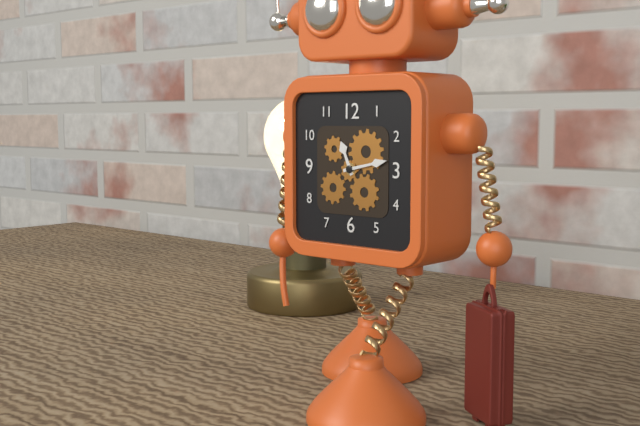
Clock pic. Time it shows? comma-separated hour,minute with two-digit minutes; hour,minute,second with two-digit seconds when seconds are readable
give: 11,13
